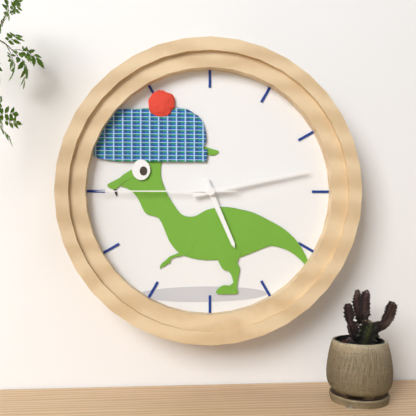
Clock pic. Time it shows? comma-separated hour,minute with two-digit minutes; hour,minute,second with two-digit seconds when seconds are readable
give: 5,13,45
